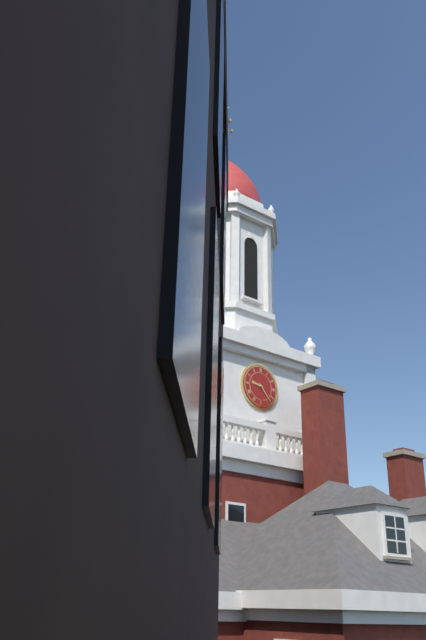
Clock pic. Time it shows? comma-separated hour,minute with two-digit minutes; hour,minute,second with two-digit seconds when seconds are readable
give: 9,23
